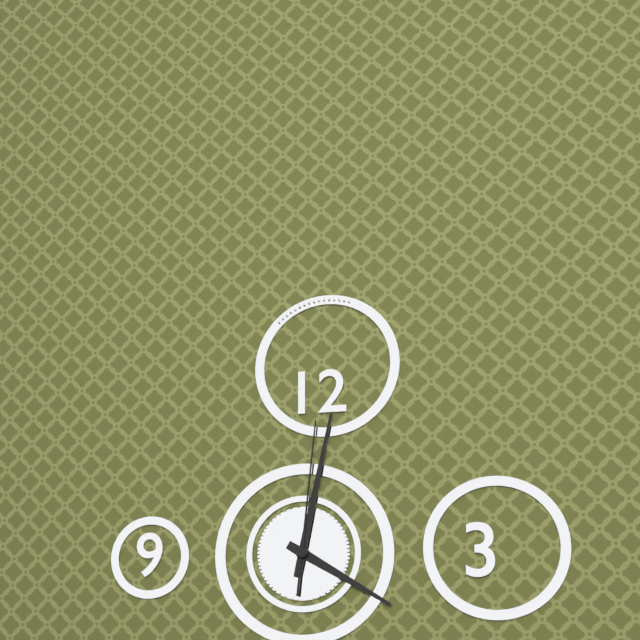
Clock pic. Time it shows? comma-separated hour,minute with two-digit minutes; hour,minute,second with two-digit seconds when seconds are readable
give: 4,02,01
